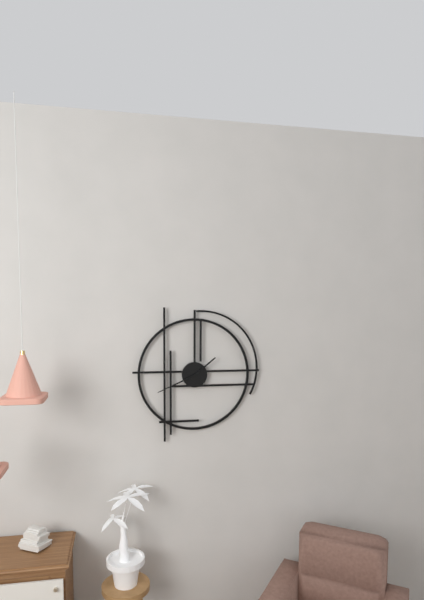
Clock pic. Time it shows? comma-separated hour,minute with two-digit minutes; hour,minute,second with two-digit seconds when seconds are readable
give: 1,41
